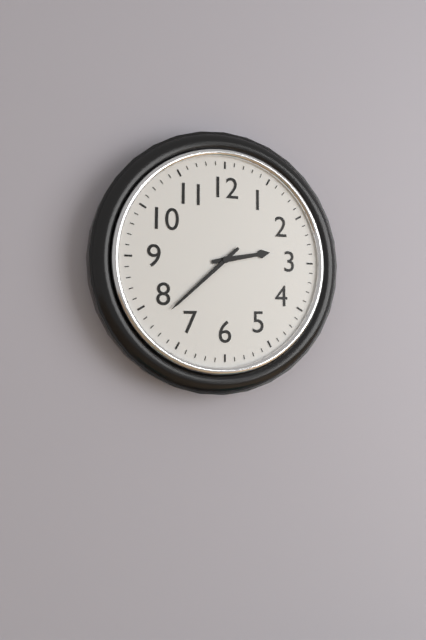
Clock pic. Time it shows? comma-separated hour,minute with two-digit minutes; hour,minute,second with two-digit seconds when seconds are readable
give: 2,38
